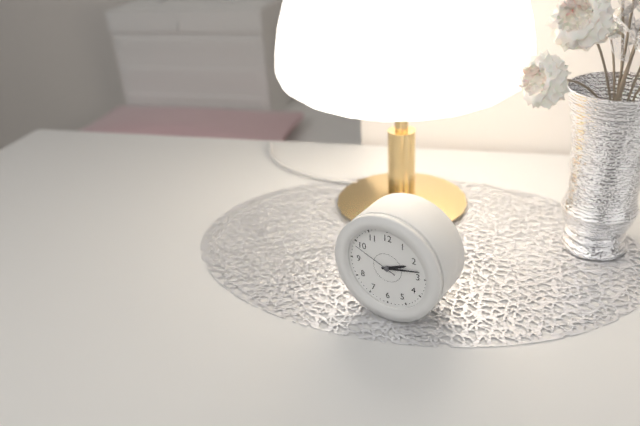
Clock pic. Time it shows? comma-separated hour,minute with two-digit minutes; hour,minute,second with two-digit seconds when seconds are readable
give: 2,13
